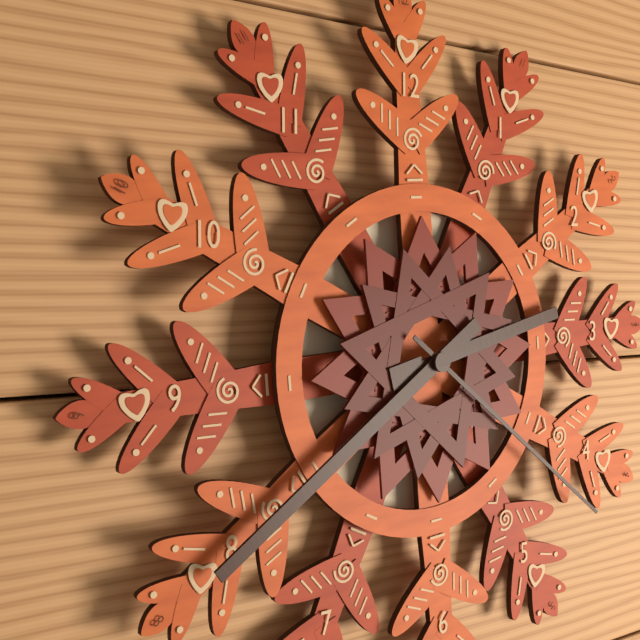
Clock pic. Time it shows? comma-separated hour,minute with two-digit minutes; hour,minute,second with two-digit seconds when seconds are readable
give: 2,40,22
